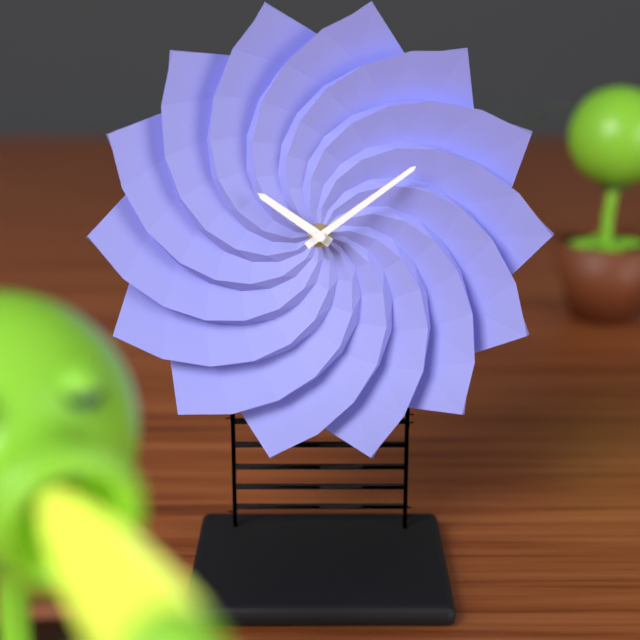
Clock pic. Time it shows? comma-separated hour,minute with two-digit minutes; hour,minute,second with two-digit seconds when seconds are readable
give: 10,09
